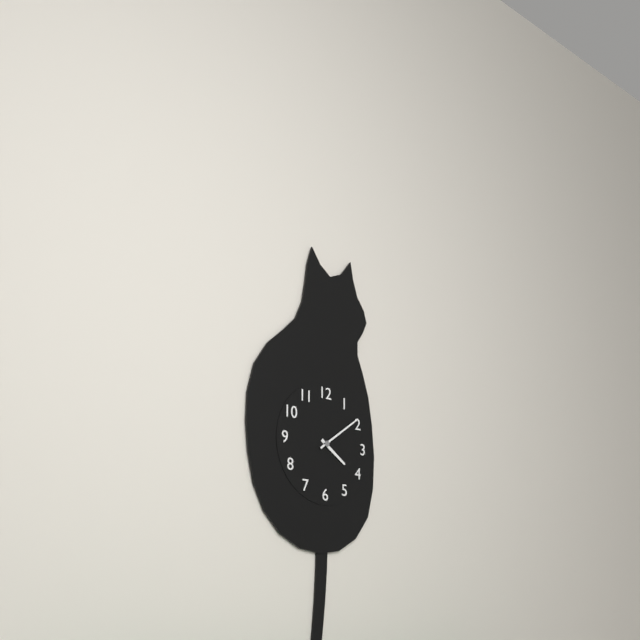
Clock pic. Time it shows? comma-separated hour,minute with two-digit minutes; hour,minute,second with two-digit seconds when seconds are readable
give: 4,09
